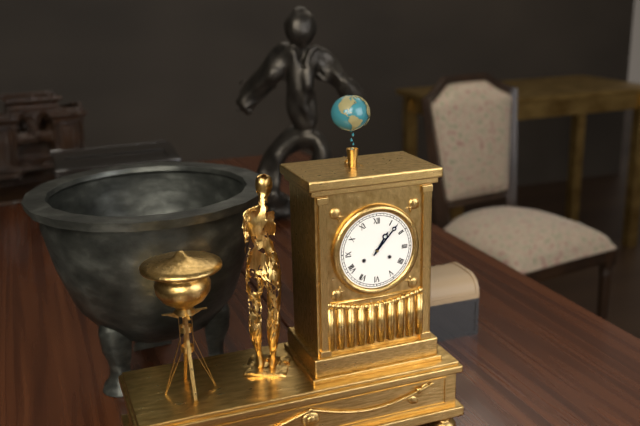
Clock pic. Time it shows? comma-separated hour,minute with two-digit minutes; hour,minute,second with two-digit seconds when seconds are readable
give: 1,07
